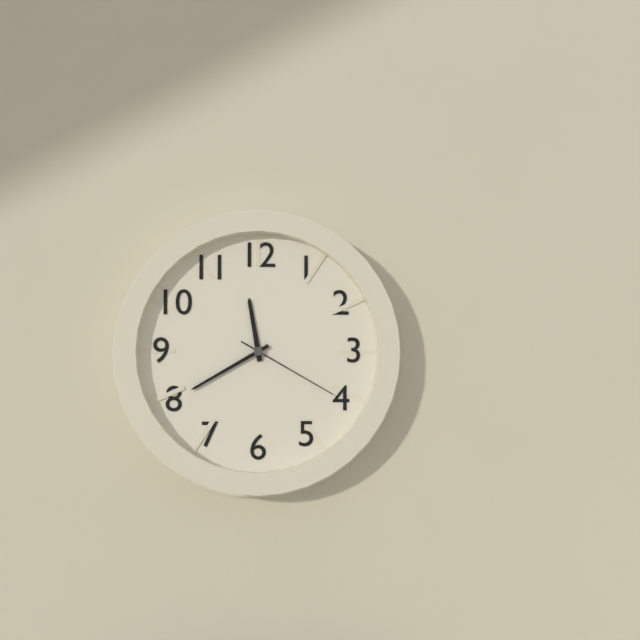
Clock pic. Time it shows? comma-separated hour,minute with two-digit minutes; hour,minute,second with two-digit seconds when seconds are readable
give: 11,40,20
